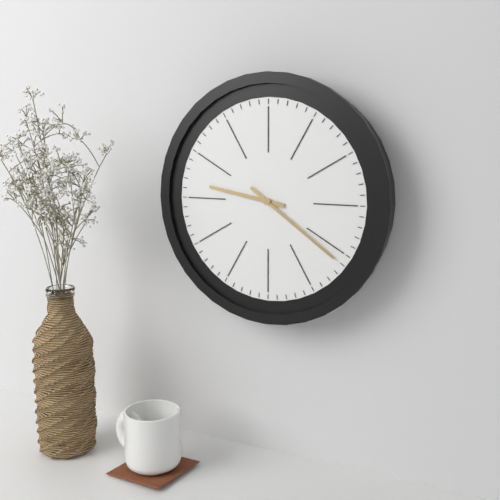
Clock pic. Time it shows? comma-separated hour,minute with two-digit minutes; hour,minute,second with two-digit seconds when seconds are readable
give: 9,21
